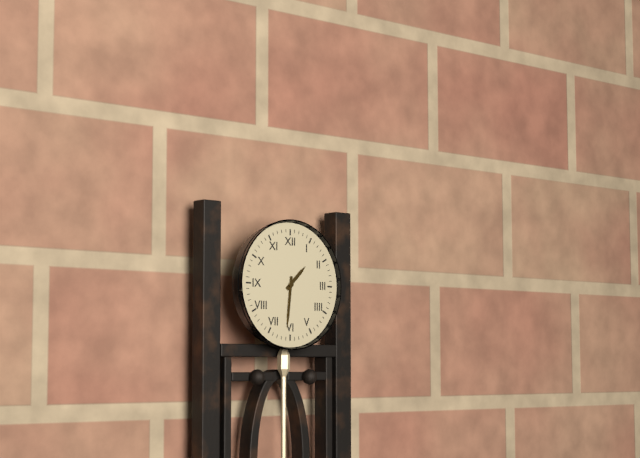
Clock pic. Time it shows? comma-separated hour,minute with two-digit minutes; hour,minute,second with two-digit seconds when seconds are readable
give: 1,31
